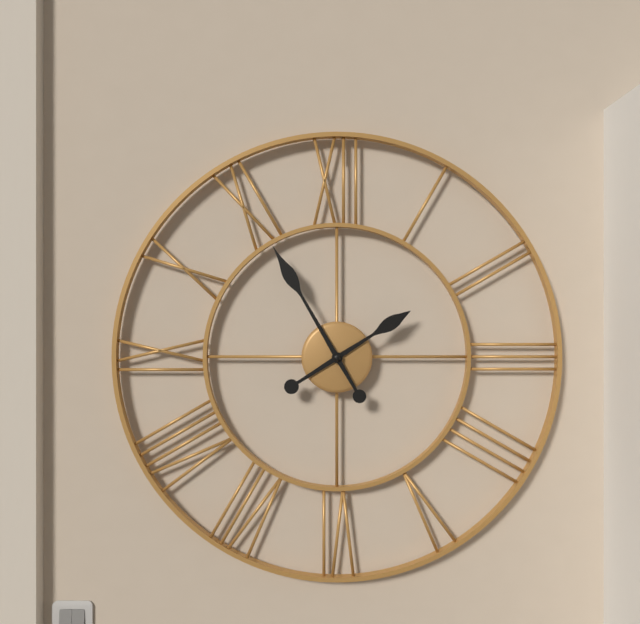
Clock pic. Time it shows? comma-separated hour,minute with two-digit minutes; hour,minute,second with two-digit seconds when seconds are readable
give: 1,55
